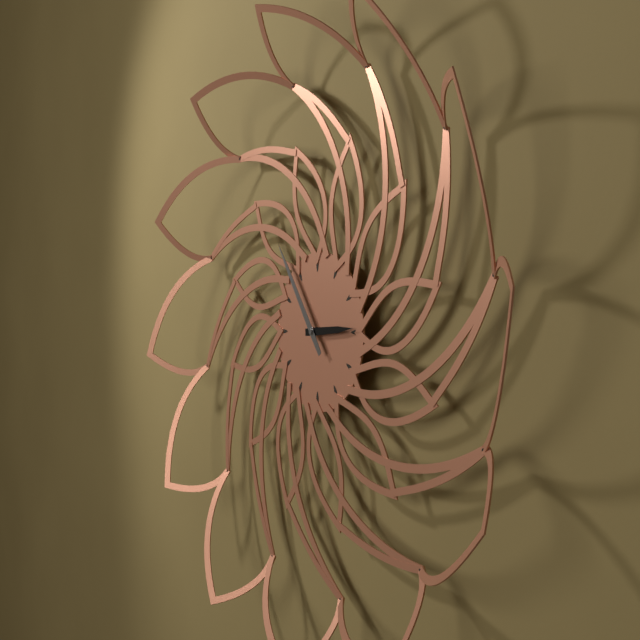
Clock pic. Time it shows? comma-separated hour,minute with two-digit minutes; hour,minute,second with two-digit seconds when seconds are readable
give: 2,54
